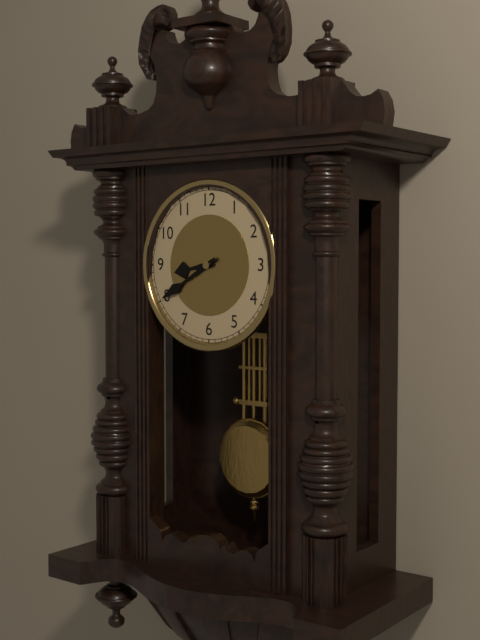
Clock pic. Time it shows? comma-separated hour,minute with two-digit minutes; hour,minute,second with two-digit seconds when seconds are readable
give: 8,40
